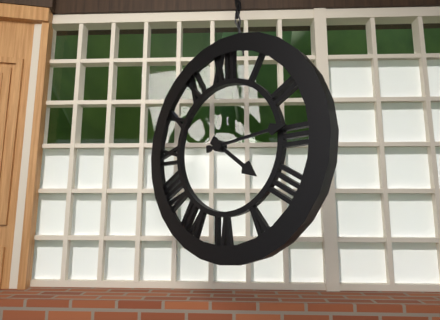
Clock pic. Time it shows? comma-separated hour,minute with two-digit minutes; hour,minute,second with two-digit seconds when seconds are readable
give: 4,14
